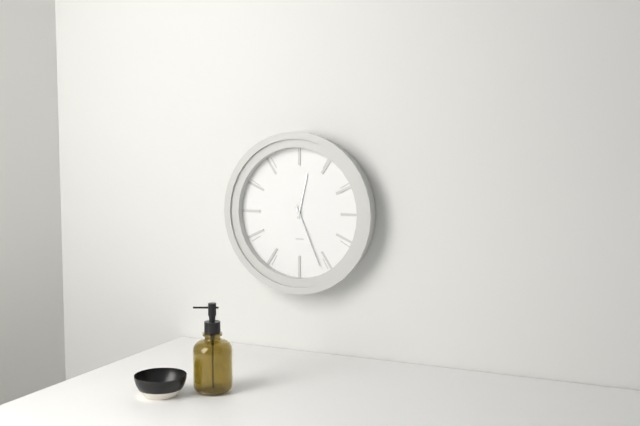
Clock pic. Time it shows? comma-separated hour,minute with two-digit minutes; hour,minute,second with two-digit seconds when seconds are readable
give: 12,26
